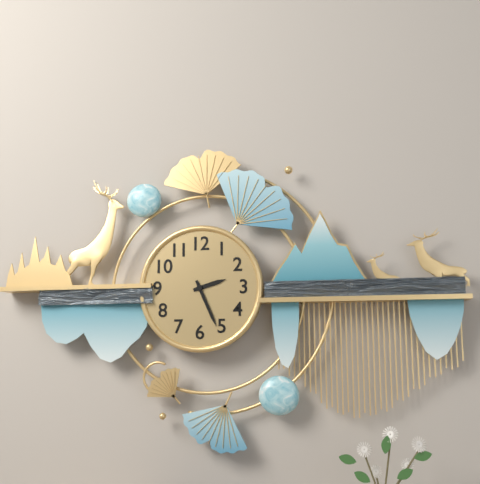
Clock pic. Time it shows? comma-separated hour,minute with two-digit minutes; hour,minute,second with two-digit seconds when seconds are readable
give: 2,26
